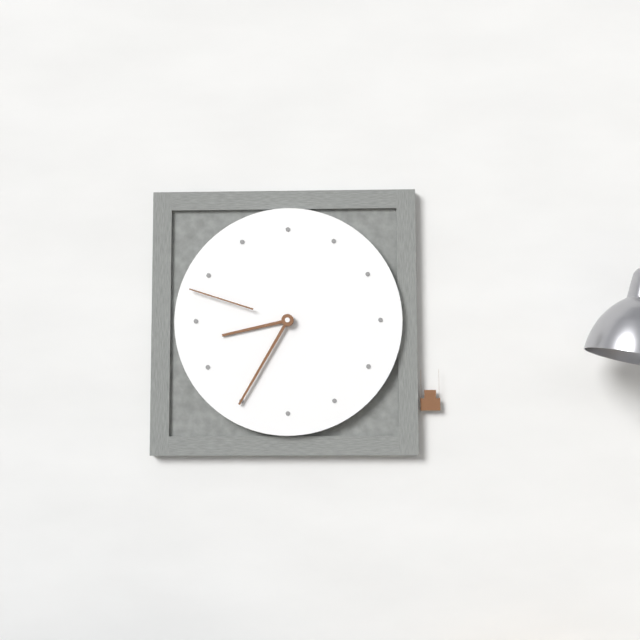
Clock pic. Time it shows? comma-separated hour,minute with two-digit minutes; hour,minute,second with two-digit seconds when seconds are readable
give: 8,35,48
